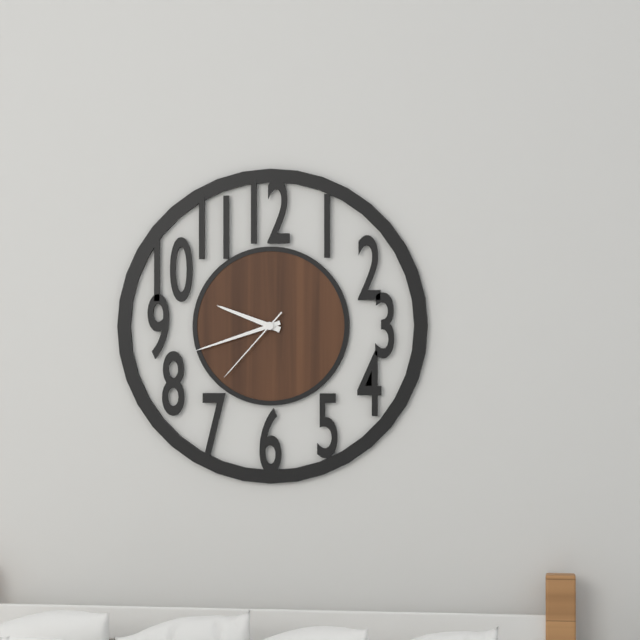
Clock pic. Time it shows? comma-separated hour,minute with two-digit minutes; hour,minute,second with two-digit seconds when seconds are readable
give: 9,42,37
